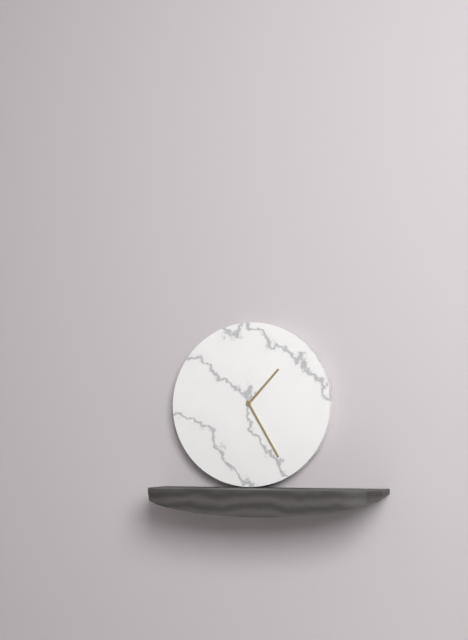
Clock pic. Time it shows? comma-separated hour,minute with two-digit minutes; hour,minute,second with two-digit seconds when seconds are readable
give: 1,25
